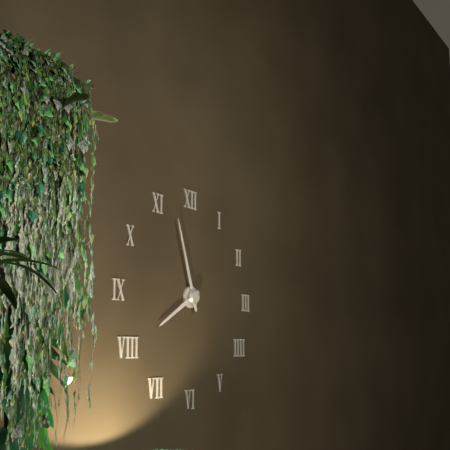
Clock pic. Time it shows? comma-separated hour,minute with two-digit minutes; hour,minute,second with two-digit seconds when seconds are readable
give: 7,57
